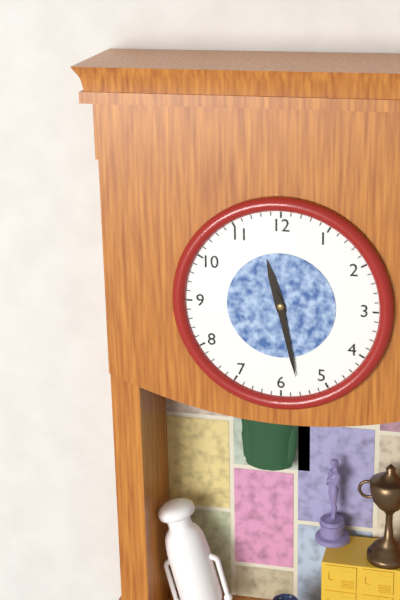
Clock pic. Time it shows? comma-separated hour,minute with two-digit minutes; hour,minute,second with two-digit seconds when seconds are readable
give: 11,28
